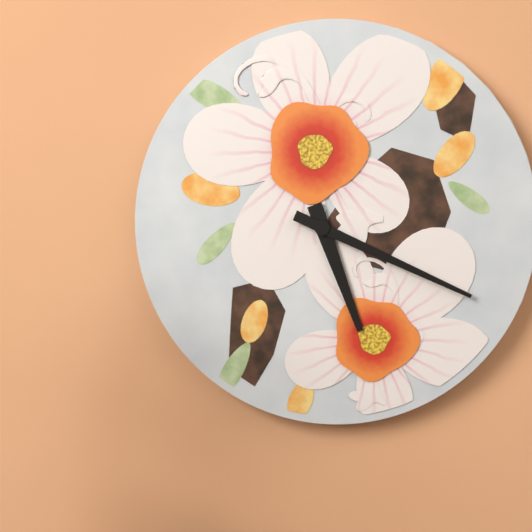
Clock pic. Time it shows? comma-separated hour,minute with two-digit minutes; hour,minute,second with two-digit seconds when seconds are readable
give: 5,19
